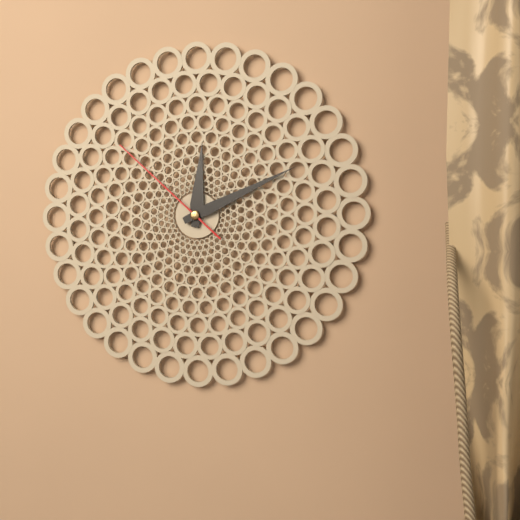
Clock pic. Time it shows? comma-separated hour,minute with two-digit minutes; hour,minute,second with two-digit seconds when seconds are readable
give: 12,11,52
